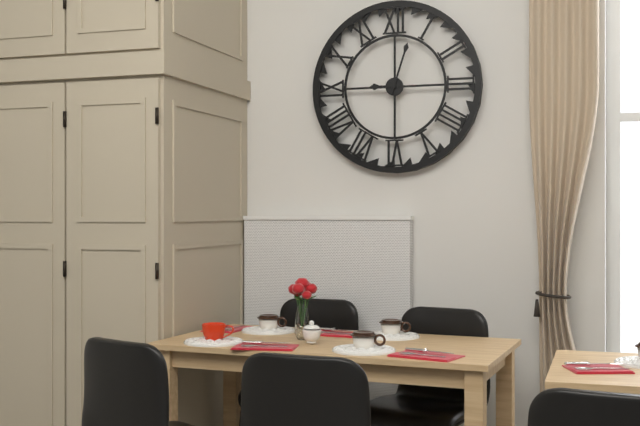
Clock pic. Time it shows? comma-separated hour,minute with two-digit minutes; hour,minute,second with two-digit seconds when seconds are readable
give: 9,03
